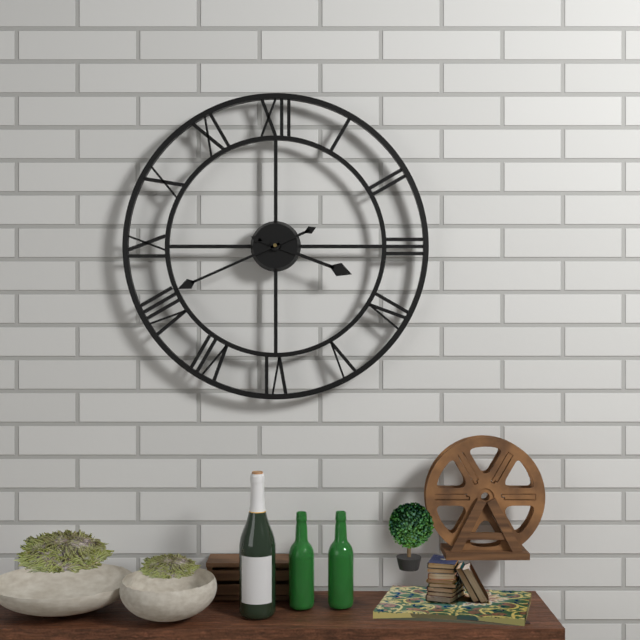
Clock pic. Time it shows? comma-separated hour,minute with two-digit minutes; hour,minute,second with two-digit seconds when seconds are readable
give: 3,41
